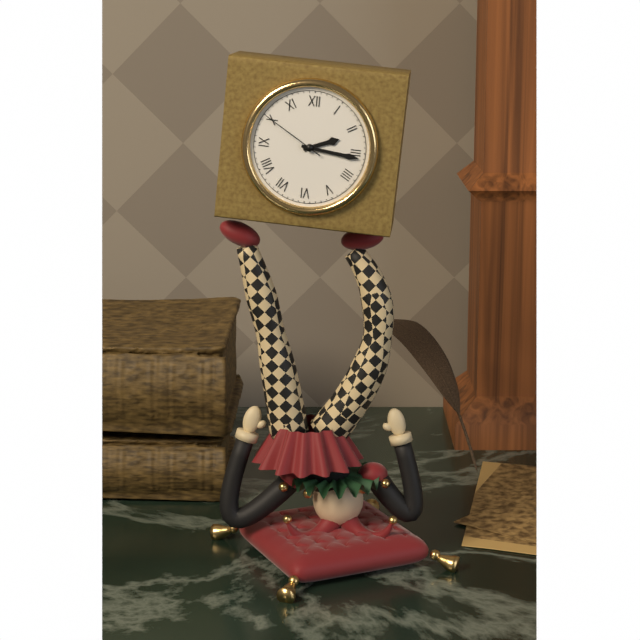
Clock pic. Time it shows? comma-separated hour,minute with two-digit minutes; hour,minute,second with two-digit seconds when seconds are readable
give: 2,16,50
